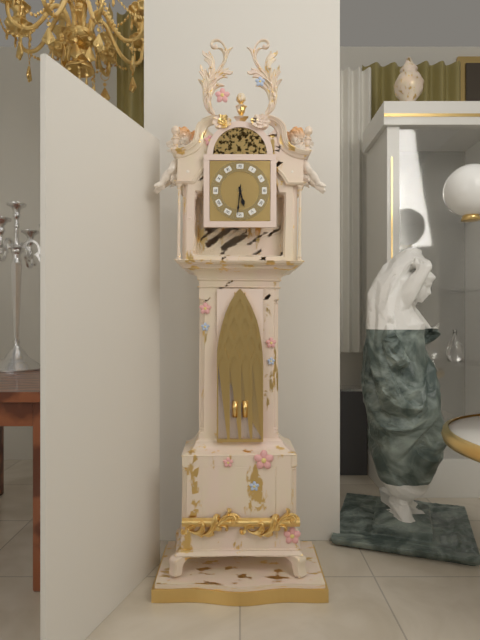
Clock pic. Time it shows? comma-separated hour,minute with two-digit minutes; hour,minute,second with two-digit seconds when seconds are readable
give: 5,31
